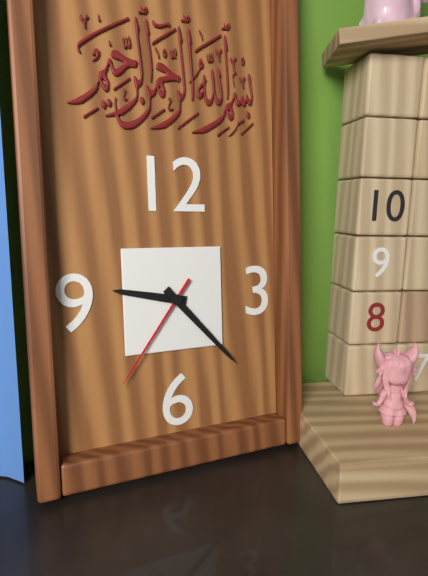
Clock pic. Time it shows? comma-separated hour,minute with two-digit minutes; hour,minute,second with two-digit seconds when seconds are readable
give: 9,23,36
